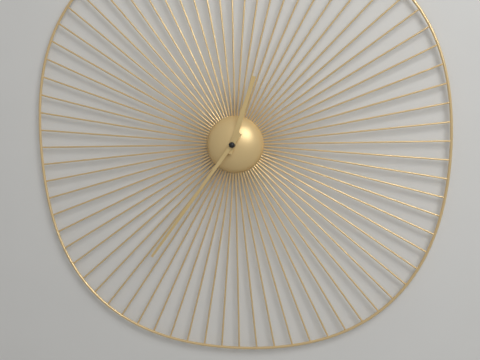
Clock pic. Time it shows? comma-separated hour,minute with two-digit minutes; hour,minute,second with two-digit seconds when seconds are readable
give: 12,36
